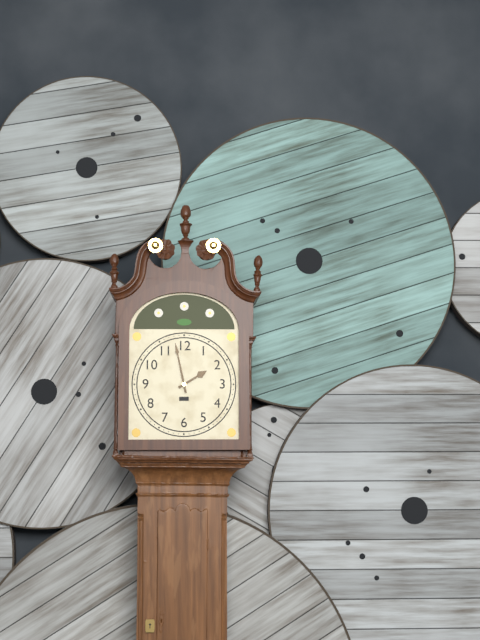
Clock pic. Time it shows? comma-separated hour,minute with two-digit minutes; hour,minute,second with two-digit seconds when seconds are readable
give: 1,58
